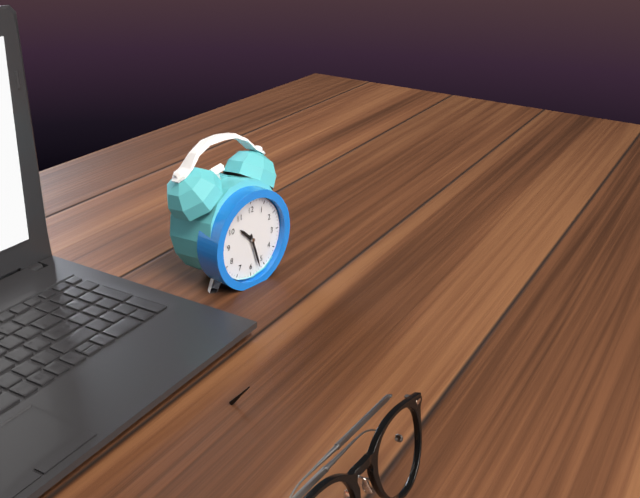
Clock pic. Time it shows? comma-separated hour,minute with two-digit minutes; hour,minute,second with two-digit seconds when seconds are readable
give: 10,27
